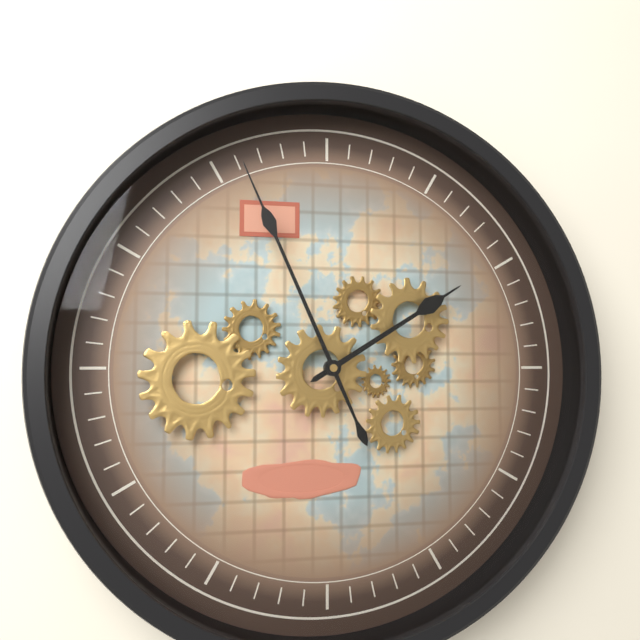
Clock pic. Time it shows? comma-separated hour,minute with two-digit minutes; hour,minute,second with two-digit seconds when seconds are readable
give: 1,56
